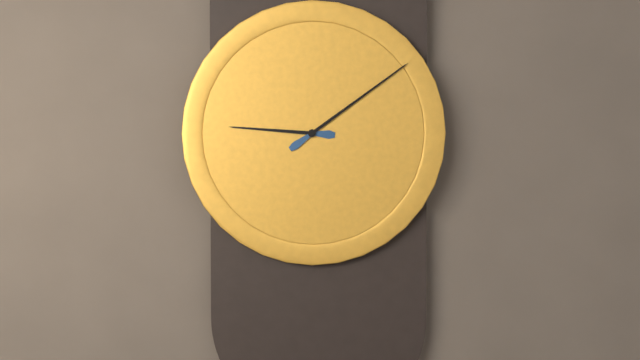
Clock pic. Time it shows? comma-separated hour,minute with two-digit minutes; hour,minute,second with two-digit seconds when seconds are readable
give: 9,09
